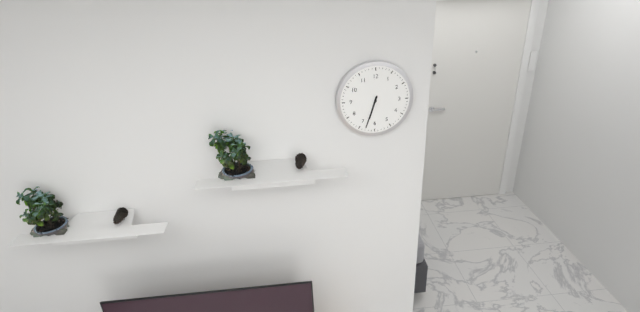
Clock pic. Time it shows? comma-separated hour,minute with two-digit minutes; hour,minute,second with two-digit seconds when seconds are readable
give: 6,33
